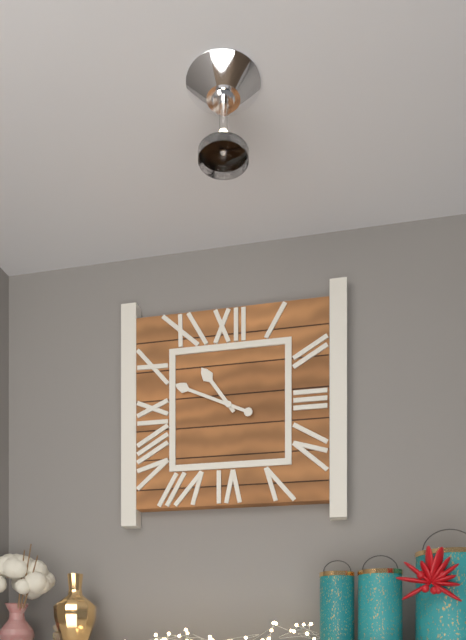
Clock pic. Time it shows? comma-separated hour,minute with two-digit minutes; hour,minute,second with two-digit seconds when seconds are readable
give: 10,49
